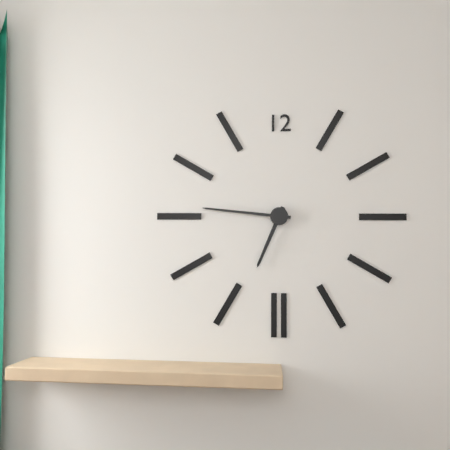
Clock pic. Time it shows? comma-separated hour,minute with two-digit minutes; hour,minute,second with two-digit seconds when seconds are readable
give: 6,46
